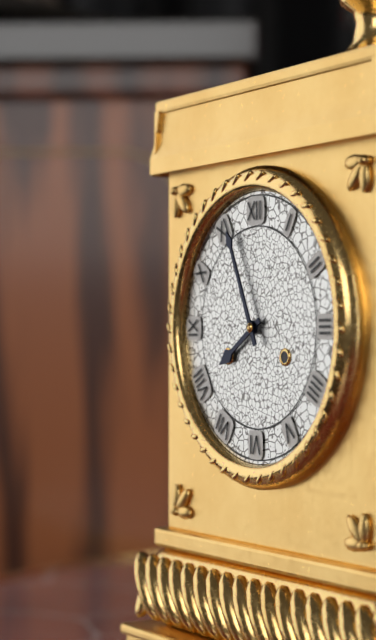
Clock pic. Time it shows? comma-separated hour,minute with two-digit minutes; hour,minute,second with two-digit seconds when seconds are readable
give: 7,56
